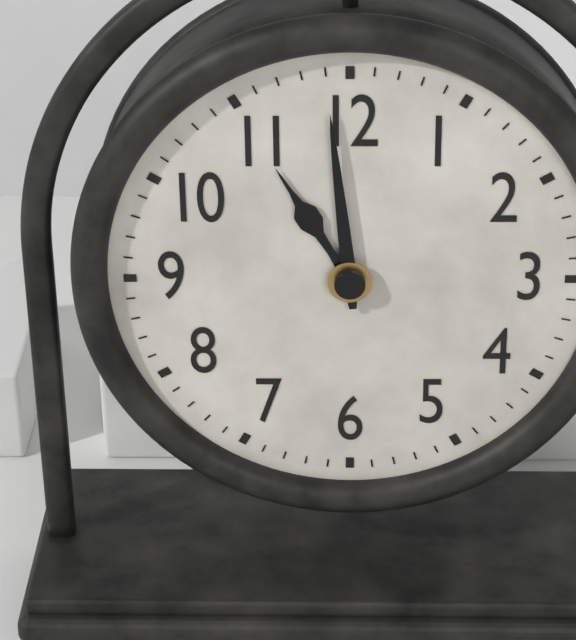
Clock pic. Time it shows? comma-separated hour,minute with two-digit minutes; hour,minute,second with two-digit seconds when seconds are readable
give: 10,59
